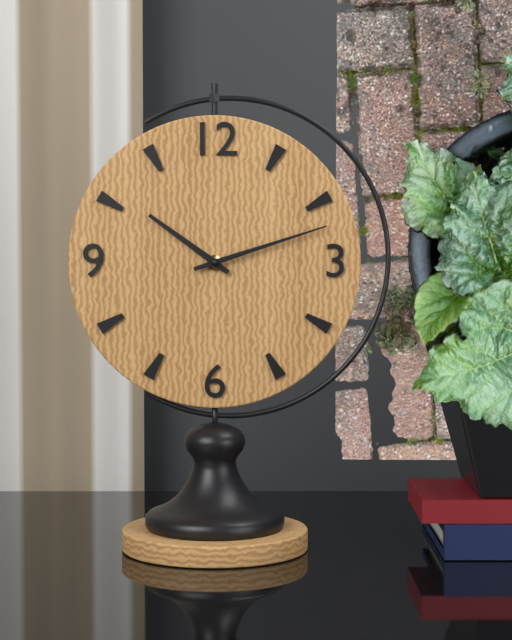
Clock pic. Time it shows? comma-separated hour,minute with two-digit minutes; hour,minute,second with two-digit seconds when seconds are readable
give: 10,12
